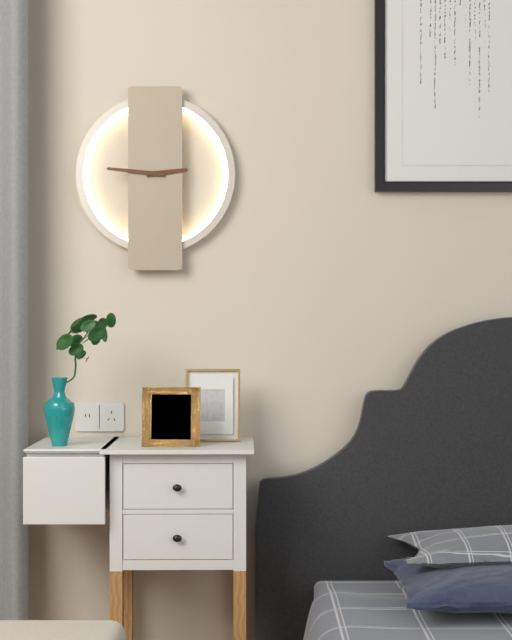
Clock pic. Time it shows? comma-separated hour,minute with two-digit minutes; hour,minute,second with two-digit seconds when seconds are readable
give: 2,46
